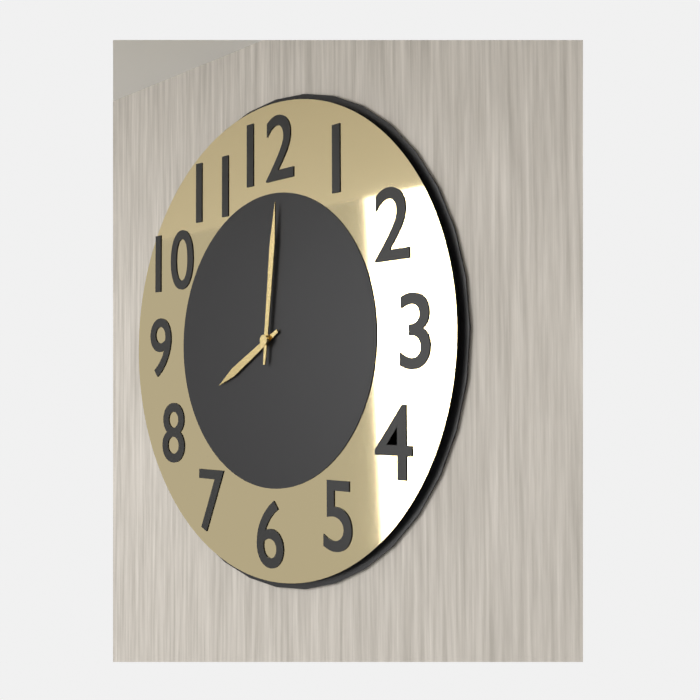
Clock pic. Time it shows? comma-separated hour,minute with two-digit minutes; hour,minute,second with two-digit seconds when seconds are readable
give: 8,01
